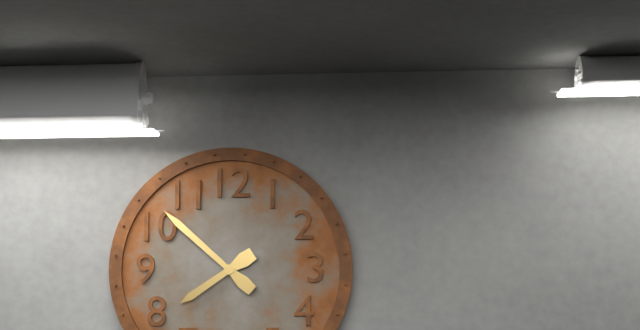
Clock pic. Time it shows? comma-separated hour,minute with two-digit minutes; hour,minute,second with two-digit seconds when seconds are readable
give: 7,52
